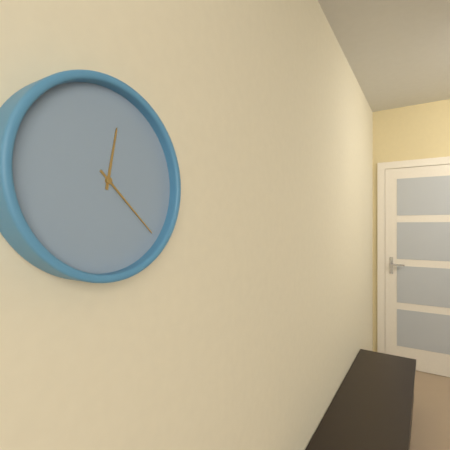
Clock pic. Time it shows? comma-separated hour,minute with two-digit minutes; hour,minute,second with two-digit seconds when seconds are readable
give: 12,22
